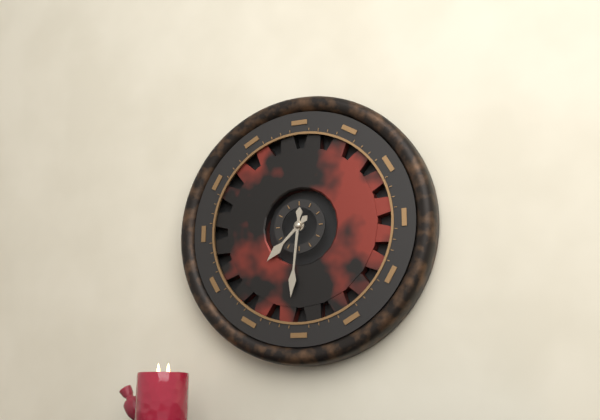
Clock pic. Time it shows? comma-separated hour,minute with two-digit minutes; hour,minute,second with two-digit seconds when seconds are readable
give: 7,31
